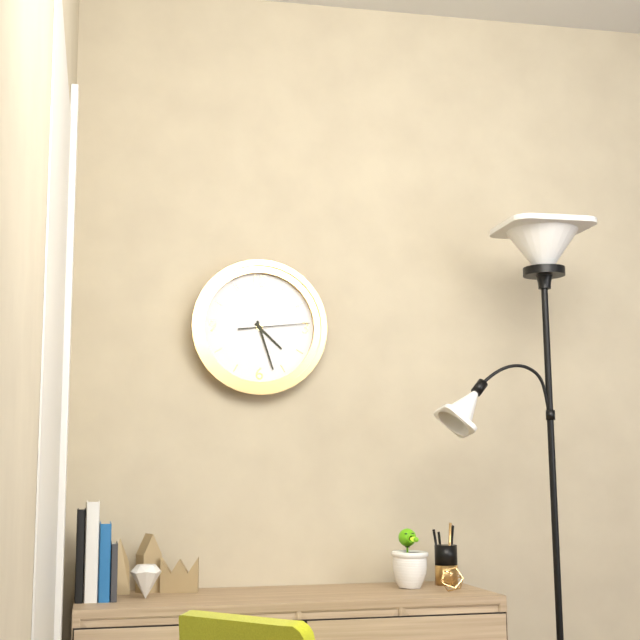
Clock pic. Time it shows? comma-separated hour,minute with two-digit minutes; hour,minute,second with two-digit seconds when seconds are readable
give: 4,27,14
